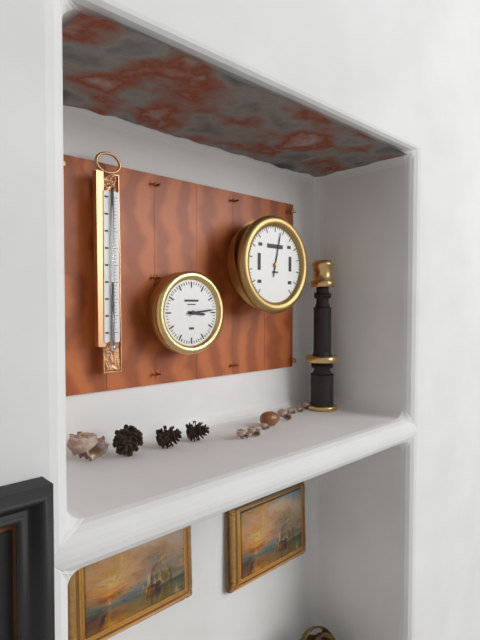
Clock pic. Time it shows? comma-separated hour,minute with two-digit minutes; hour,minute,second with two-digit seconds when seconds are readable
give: 3,14
